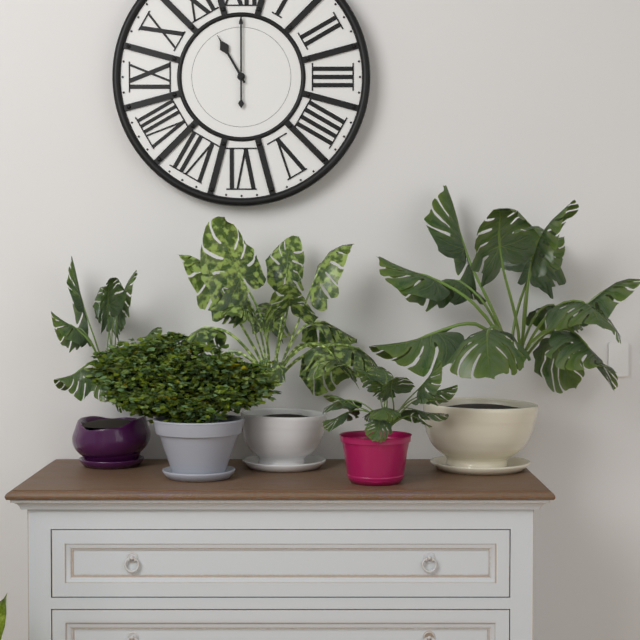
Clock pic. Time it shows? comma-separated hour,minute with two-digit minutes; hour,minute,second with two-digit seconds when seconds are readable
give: 11,00
